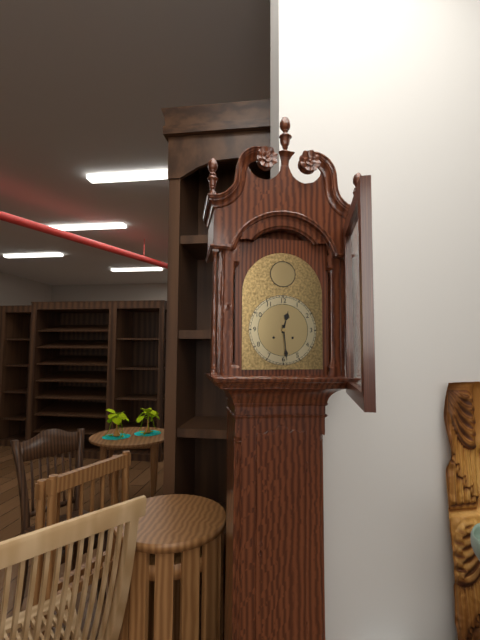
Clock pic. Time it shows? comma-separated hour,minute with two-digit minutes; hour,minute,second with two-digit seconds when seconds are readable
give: 12,29
